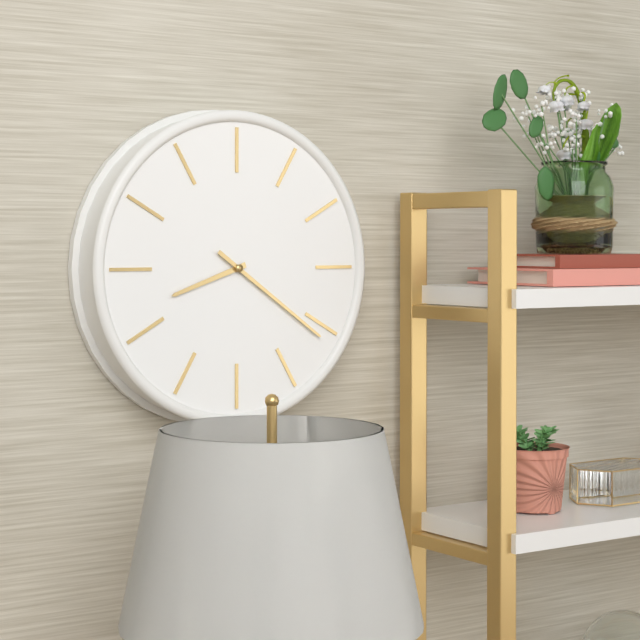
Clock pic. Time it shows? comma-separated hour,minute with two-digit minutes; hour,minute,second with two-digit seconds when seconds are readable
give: 8,21
